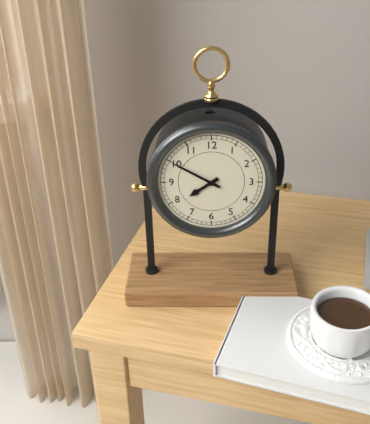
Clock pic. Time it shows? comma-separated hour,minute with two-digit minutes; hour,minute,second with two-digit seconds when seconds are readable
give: 7,50
